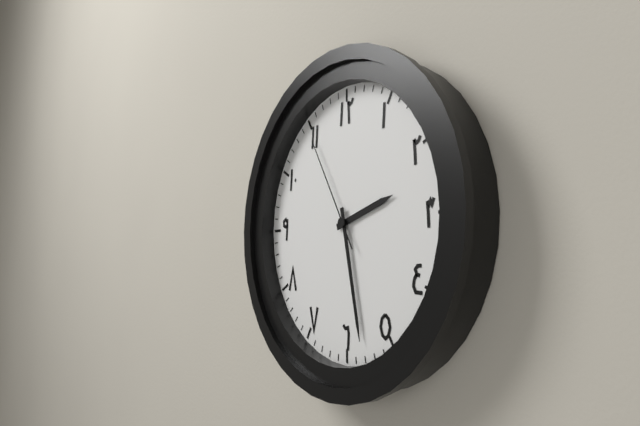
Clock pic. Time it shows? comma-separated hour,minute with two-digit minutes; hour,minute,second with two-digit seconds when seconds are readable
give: 2,28,55
